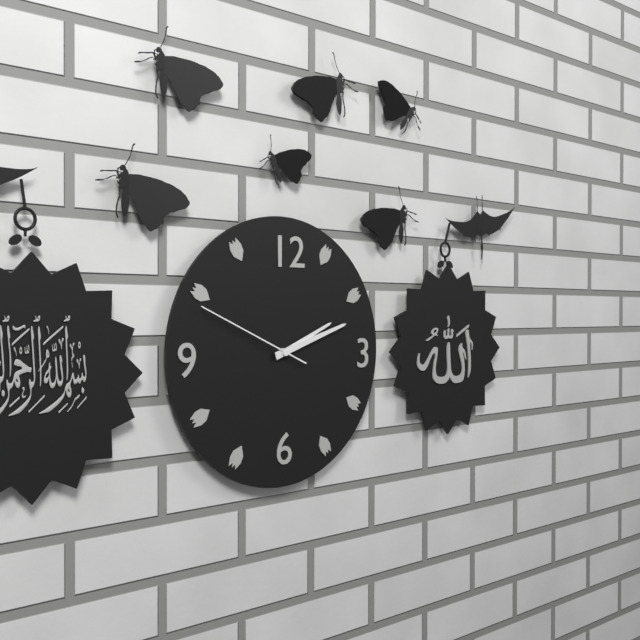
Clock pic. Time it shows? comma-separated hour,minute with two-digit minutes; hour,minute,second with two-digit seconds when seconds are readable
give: 2,12,49
